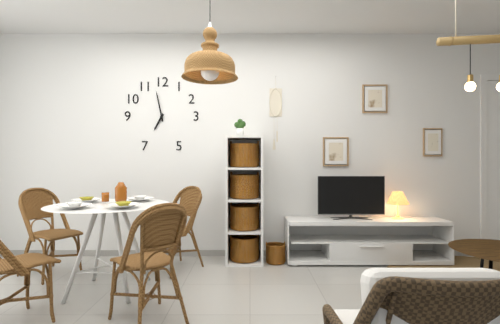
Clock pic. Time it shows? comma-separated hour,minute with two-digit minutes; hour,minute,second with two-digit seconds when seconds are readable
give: 6,58
